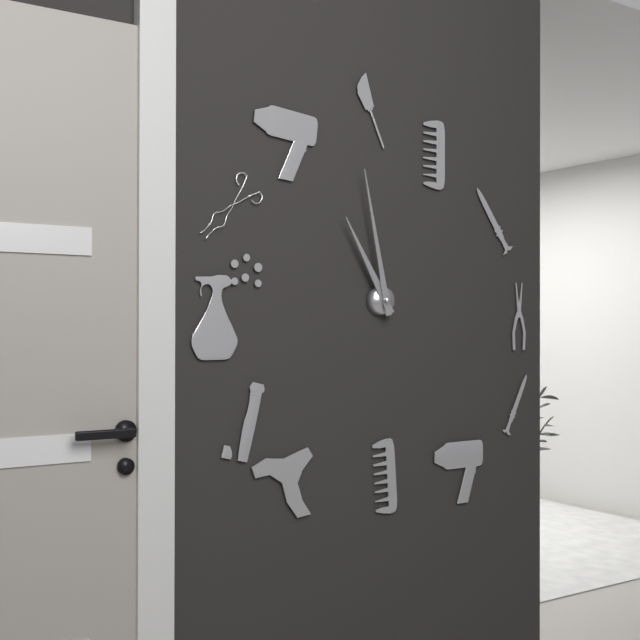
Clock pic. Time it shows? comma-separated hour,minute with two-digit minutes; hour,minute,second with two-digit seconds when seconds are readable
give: 10,58
